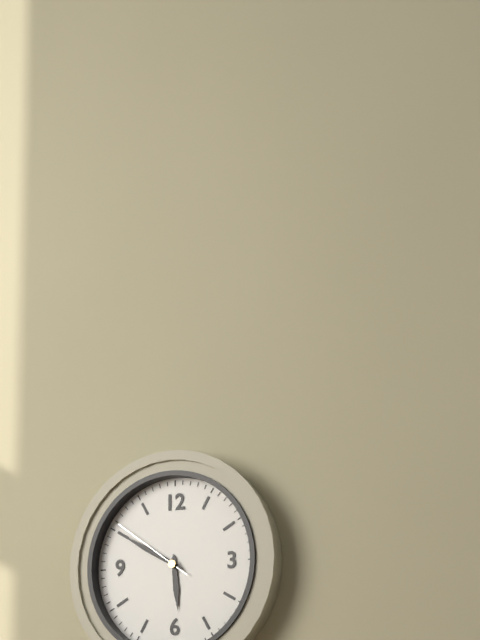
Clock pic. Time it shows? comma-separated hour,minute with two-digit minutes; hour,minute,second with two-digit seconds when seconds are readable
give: 5,50,51
